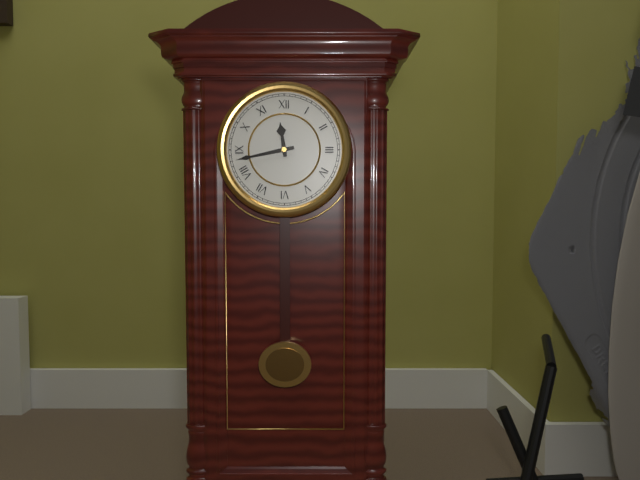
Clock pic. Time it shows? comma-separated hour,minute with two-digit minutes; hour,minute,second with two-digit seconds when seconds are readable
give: 11,43
